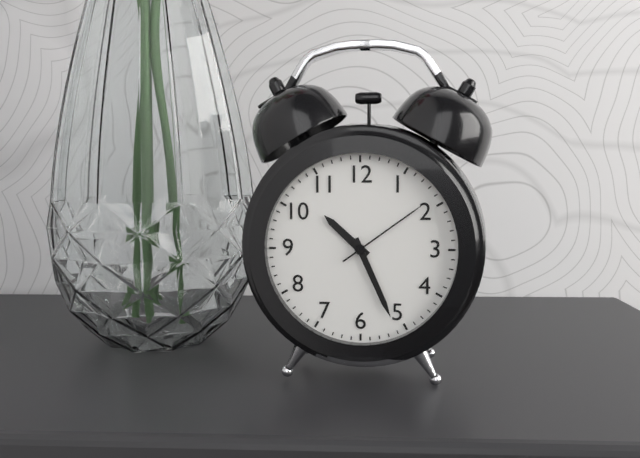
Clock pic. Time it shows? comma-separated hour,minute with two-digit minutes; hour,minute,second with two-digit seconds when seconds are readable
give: 10,26,09
